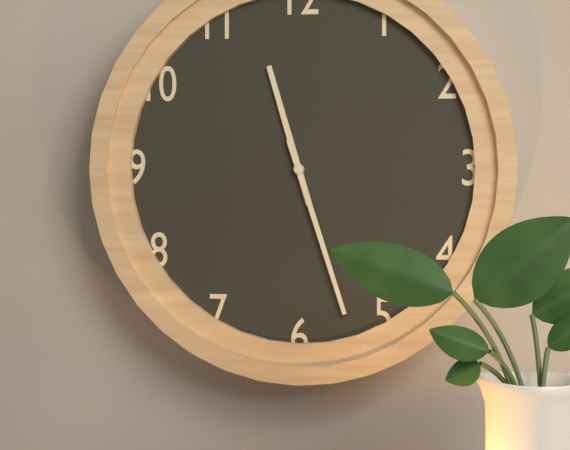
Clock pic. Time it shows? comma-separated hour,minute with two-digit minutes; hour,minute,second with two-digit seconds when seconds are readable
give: 11,27
